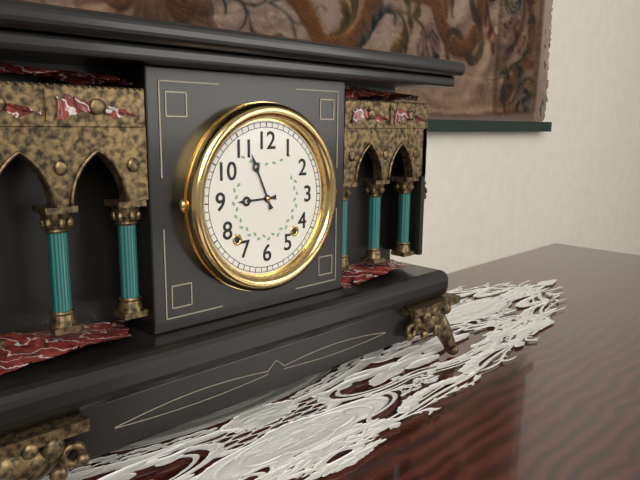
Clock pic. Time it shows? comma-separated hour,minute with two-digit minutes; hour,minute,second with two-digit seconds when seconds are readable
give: 8,56
